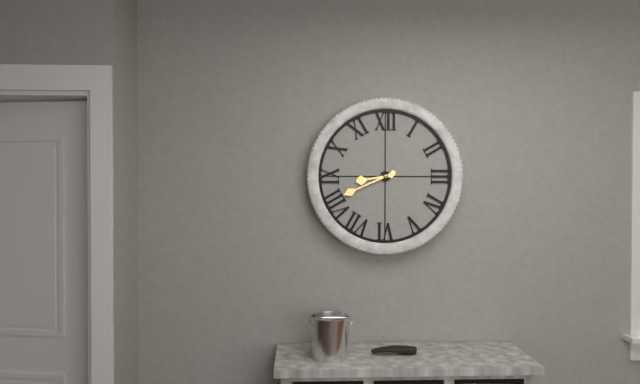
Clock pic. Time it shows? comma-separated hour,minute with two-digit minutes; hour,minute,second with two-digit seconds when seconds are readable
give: 8,41
